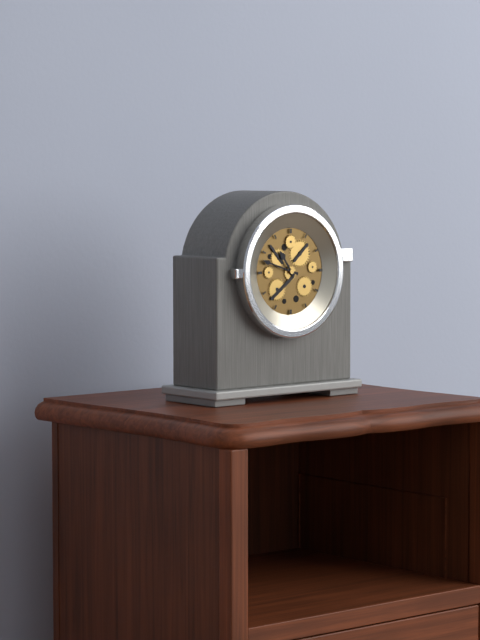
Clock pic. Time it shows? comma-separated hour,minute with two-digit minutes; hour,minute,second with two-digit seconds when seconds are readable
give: 10,48
